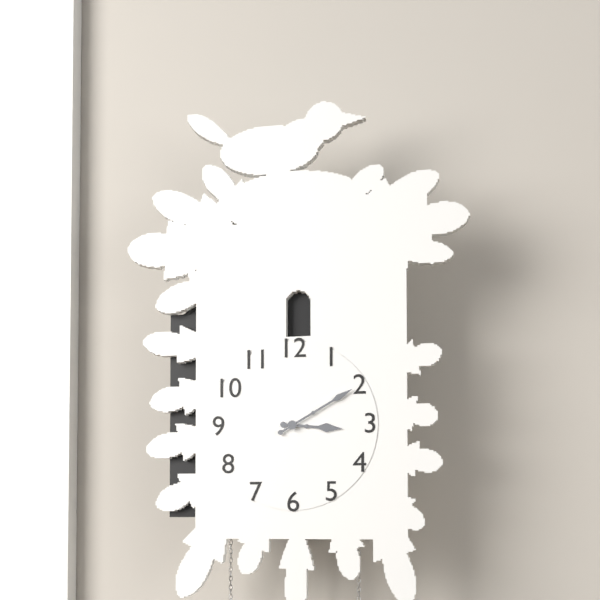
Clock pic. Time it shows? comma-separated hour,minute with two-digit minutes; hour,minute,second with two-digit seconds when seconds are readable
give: 3,10
